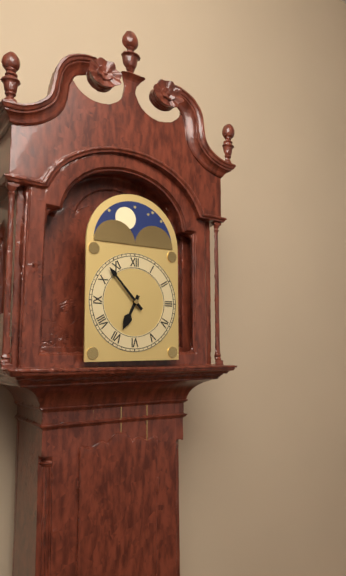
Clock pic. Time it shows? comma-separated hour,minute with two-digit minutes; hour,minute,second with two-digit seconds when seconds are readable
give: 6,53
